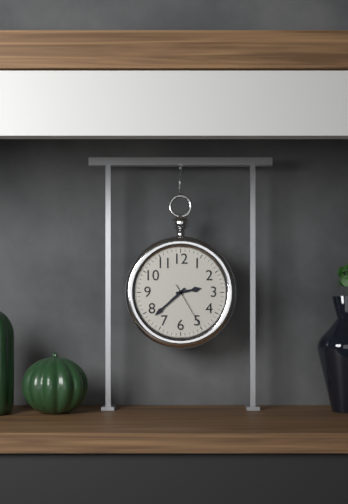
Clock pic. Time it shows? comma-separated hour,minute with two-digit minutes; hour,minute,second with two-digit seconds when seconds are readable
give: 2,38
